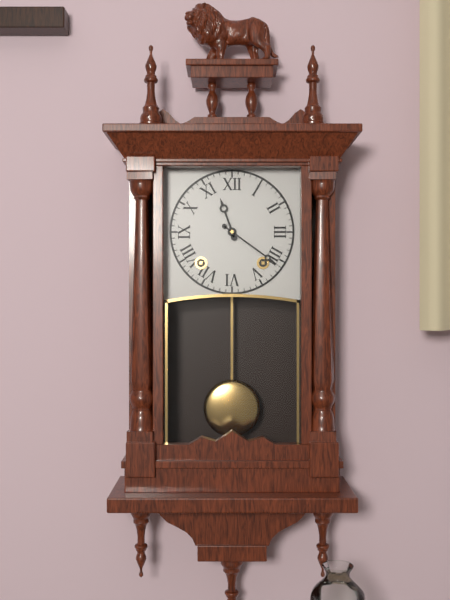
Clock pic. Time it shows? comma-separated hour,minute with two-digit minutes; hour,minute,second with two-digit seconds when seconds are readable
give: 11,21
